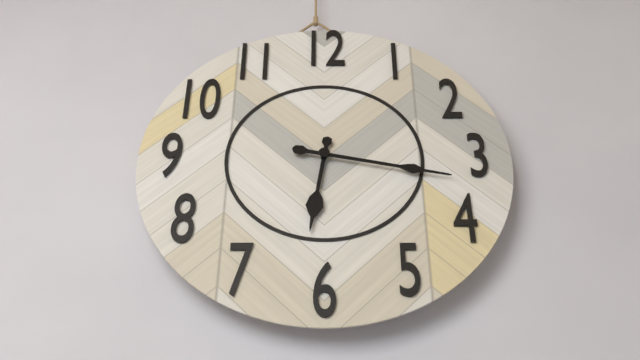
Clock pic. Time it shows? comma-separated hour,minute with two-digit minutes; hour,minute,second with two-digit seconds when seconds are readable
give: 6,17
